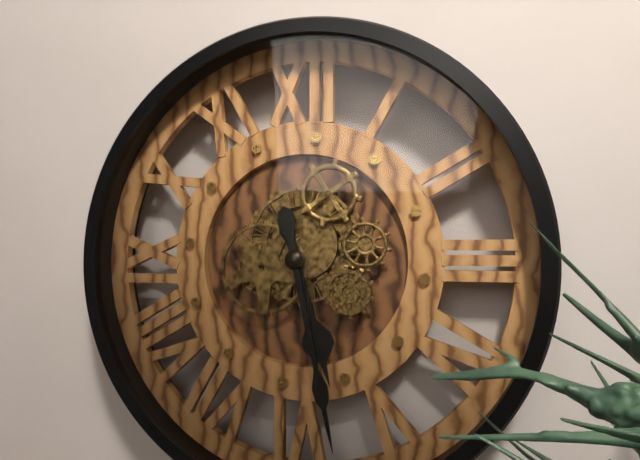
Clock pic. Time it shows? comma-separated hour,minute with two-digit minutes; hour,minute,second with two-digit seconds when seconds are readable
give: 5,28
